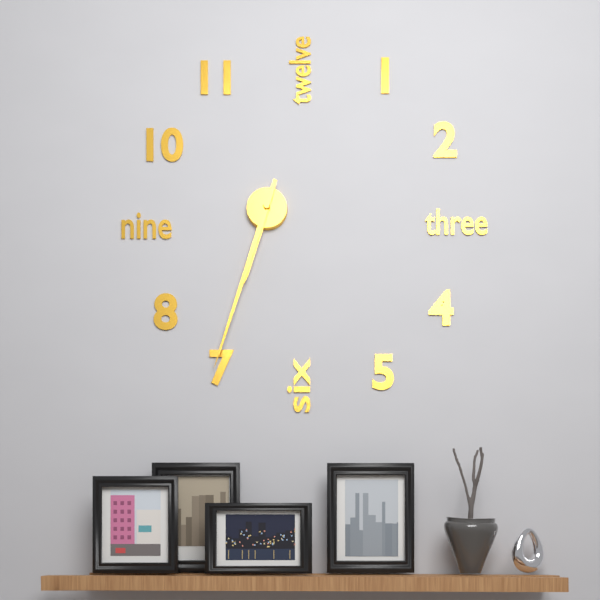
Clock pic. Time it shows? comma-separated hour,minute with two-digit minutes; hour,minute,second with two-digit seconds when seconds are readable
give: 6,33
